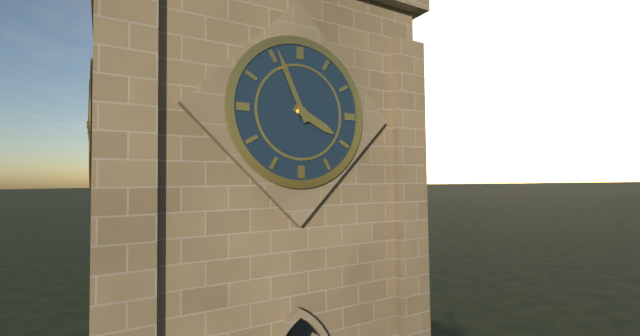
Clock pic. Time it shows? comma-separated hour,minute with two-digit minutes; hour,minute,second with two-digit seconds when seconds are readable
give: 3,56
